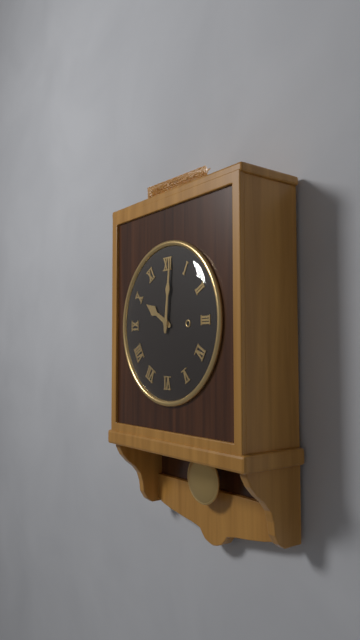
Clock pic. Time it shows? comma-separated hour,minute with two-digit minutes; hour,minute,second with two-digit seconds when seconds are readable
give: 10,01
